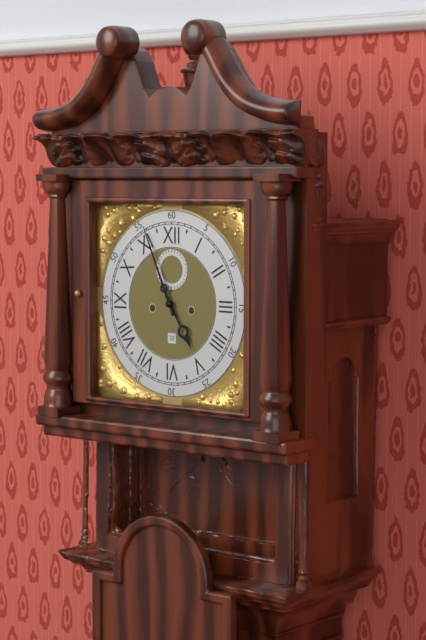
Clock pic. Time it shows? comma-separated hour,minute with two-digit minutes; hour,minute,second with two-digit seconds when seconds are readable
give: 4,56
